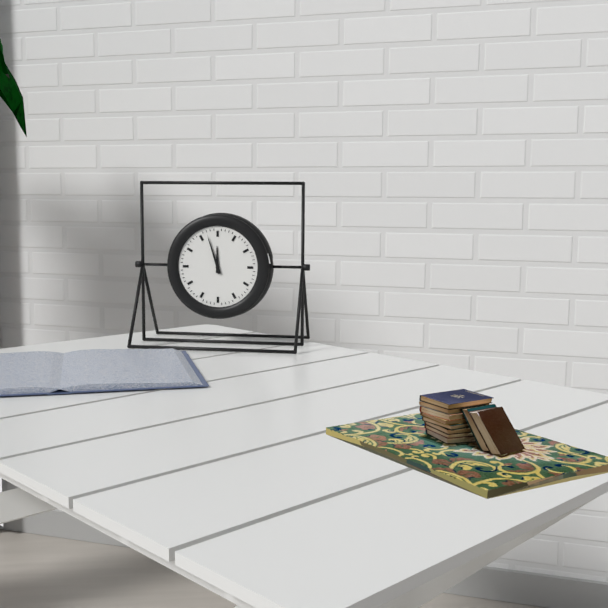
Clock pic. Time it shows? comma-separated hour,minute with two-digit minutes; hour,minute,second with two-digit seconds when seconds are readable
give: 11,57
